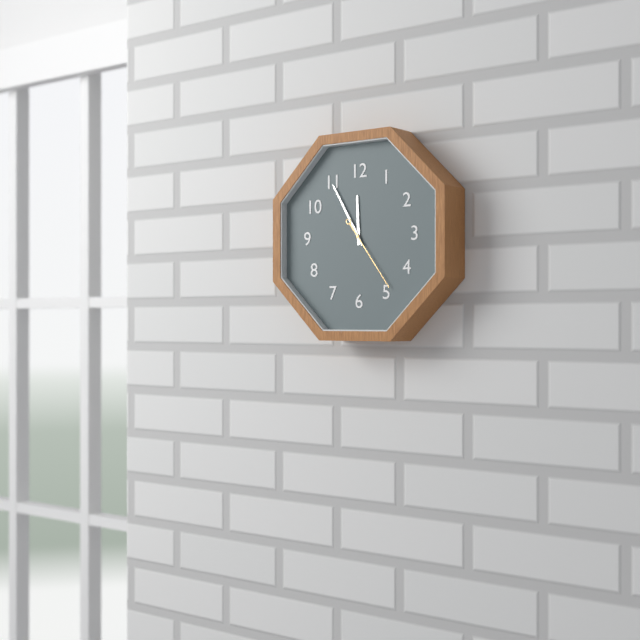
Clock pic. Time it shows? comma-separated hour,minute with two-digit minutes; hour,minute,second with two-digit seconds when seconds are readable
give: 11,55,24
